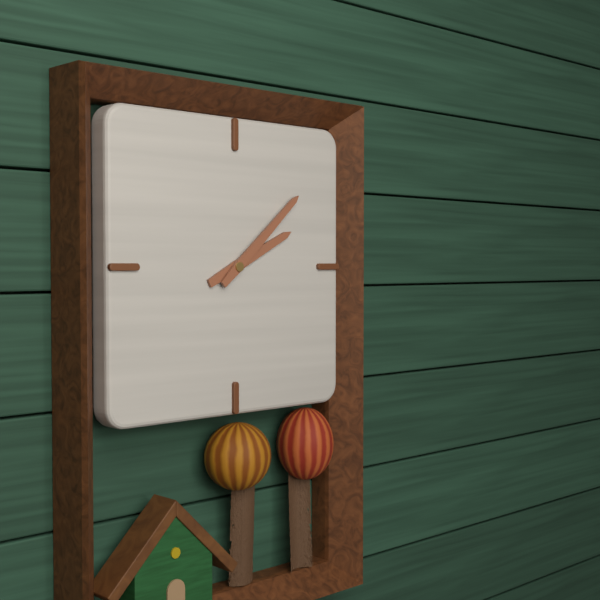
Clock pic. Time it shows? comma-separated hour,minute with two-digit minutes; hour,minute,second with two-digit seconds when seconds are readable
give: 2,08
